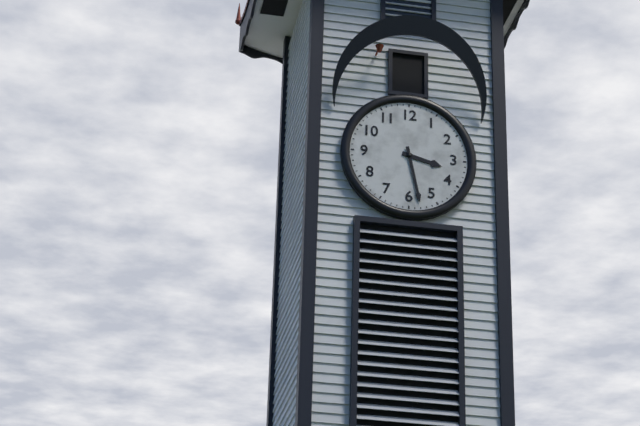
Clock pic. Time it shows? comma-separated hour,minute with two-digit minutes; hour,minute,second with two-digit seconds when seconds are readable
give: 3,28
